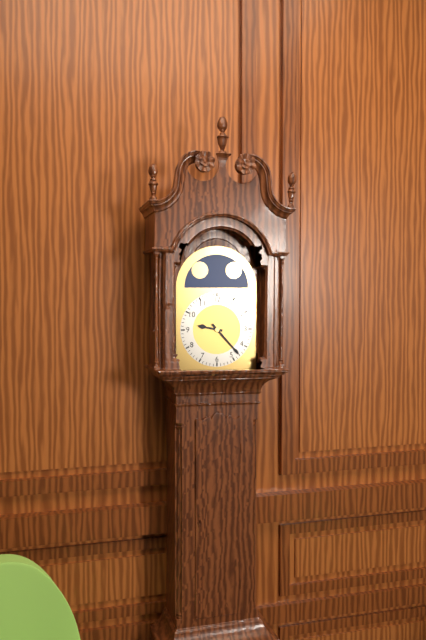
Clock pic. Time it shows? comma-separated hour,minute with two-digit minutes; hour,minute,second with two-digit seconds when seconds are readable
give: 9,23
